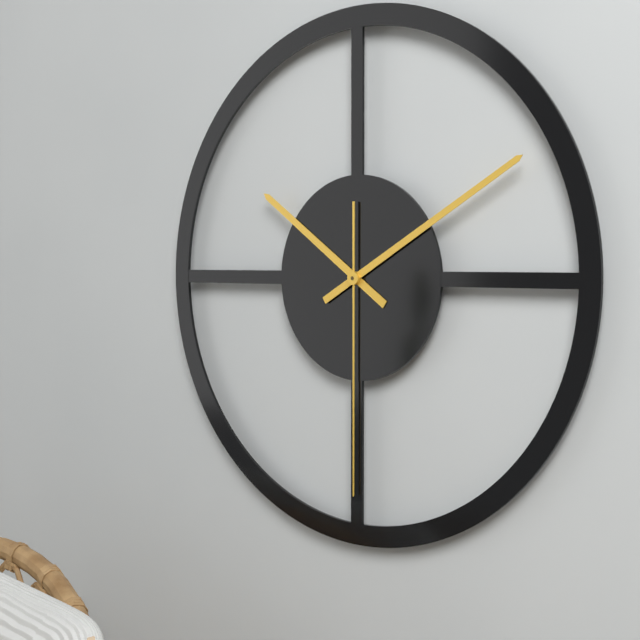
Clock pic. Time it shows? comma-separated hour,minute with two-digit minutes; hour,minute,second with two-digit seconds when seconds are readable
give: 10,10,30
